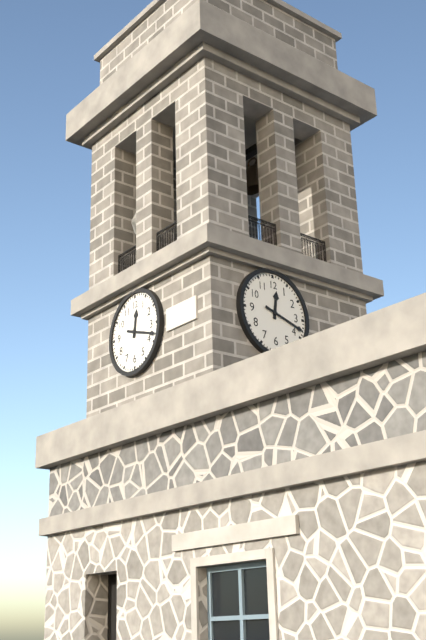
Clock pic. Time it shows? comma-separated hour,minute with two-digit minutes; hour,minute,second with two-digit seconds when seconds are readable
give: 12,18
